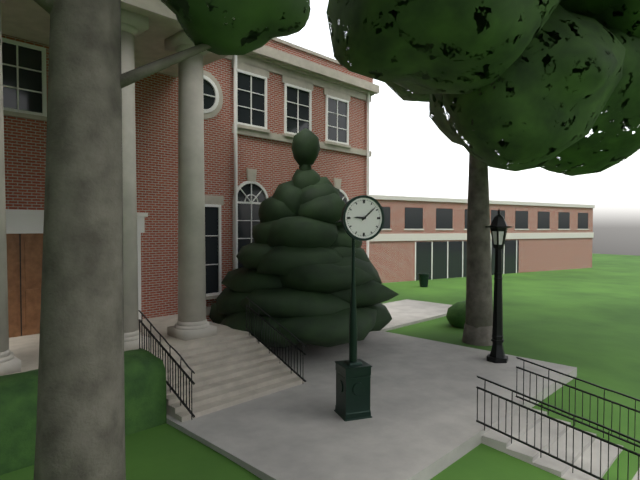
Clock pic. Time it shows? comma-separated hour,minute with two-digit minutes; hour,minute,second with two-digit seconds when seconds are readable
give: 9,08
